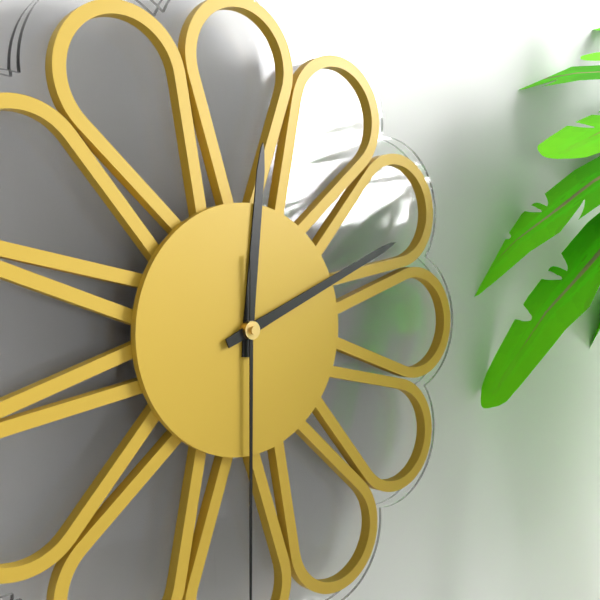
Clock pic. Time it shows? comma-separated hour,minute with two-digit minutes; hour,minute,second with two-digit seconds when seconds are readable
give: 12,11
